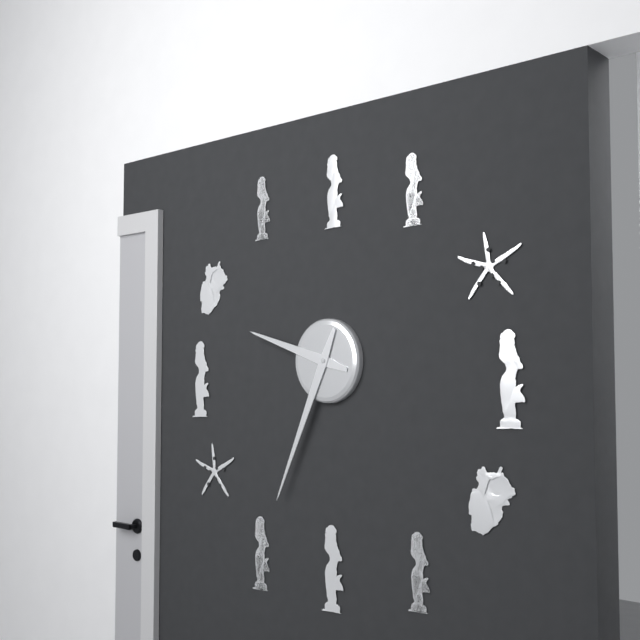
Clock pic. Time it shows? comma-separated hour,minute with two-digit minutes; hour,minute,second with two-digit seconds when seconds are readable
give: 9,34
